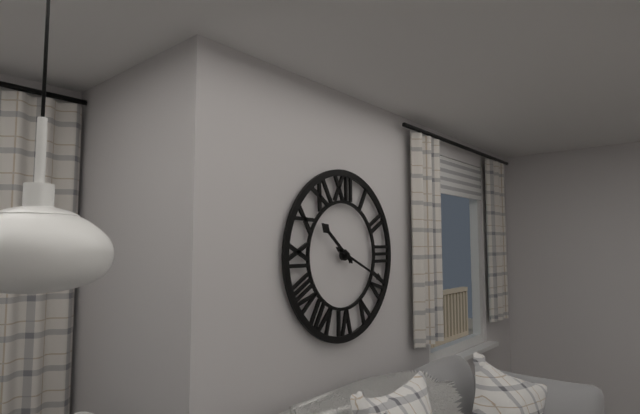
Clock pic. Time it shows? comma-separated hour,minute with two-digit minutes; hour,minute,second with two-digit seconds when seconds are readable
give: 10,19
